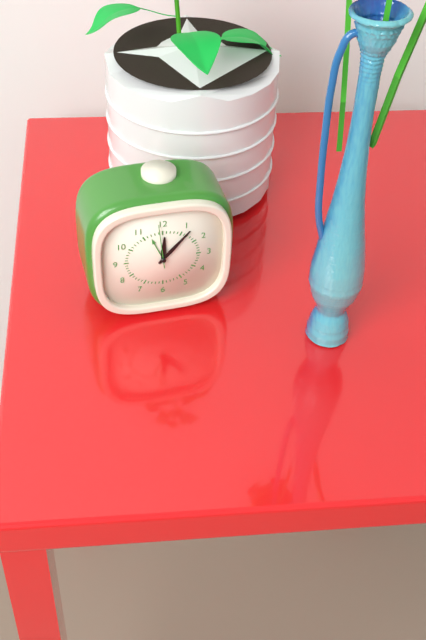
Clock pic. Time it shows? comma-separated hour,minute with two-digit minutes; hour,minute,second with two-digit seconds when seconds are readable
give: 12,07
